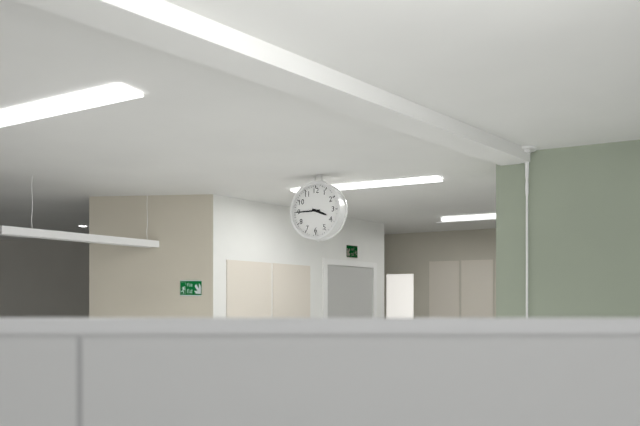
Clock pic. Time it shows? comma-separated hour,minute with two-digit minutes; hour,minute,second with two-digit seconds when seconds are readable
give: 3,45
